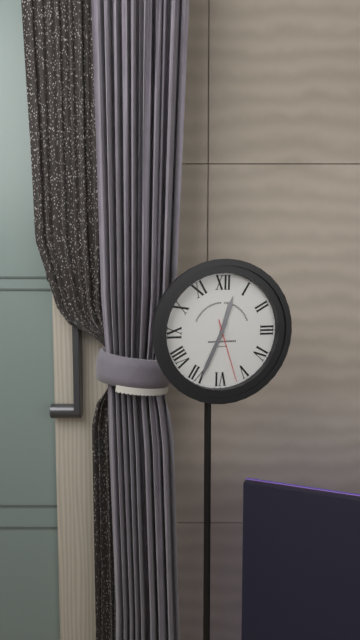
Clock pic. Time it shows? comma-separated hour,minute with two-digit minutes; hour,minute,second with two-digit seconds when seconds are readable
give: 12,34,27
